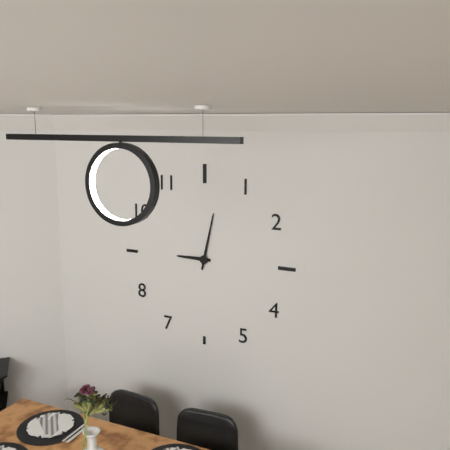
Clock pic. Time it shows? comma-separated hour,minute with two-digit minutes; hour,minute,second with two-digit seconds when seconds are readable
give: 9,02
